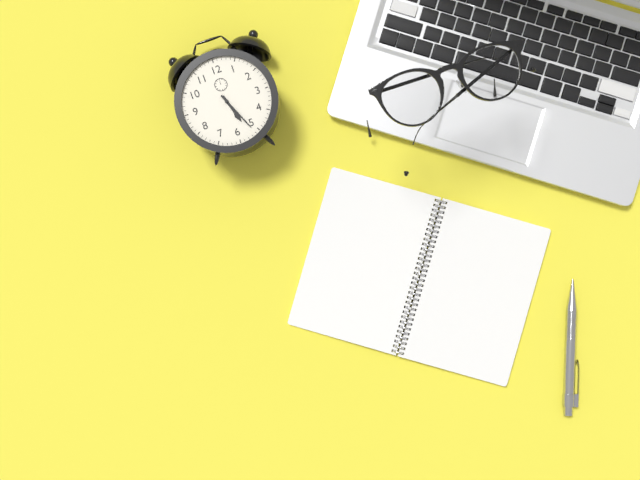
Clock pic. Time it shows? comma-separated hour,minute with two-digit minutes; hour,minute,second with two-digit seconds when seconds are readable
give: 5,26
